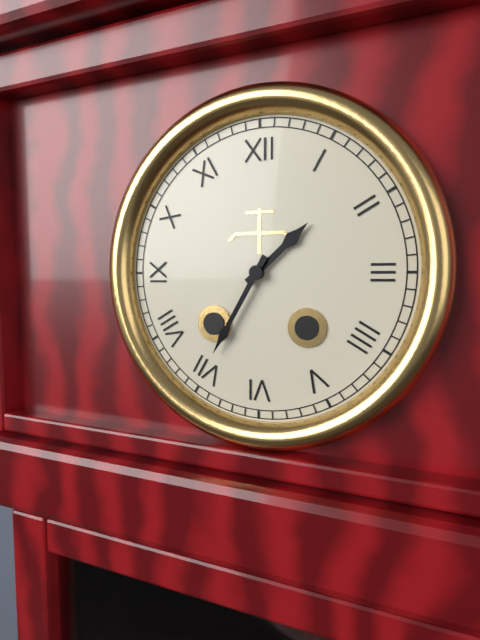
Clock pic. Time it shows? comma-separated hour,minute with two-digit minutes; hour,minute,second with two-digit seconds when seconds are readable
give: 1,35
